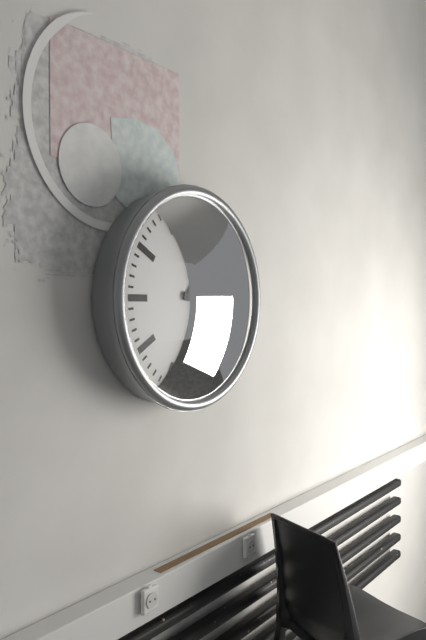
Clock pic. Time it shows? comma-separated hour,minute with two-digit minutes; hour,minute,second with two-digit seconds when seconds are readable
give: 4,16
